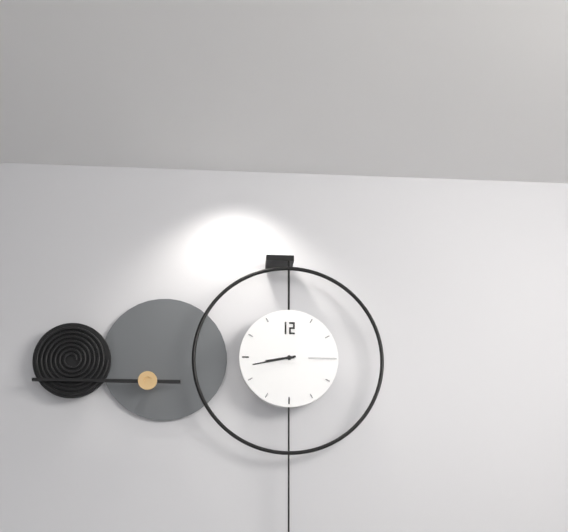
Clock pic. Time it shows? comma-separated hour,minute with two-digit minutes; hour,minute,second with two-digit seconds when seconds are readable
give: 8,43
